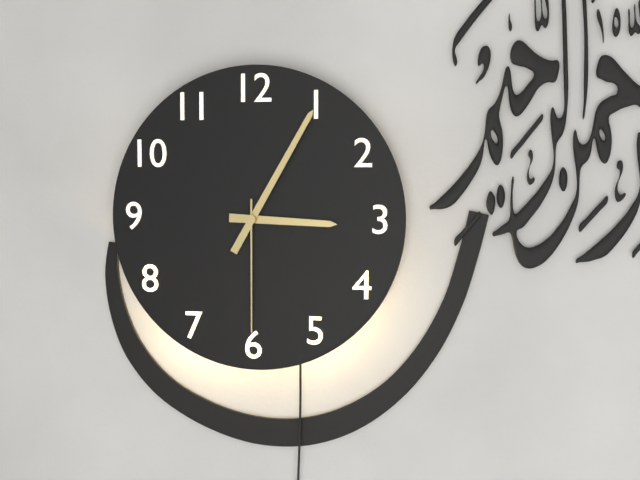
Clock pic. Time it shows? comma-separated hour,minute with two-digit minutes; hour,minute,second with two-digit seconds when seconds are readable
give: 3,05,30
